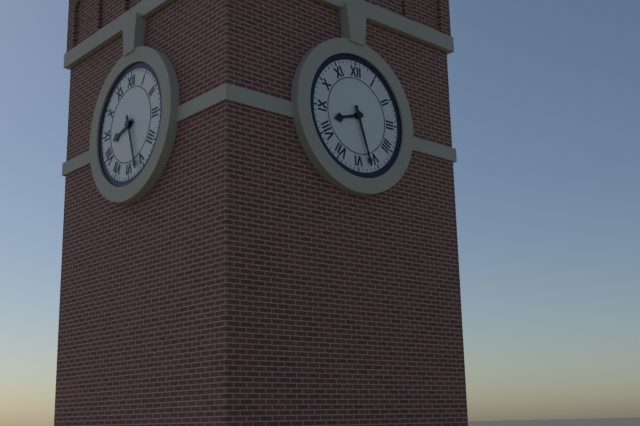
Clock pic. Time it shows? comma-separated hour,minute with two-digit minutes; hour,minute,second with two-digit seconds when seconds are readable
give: 8,27
